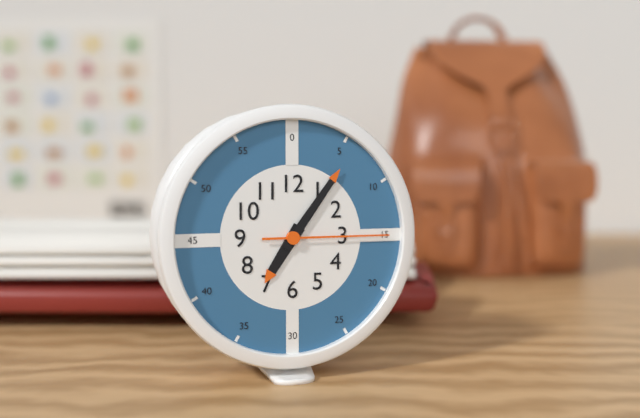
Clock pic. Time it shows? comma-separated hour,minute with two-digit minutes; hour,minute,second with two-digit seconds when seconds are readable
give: 7,06,15
